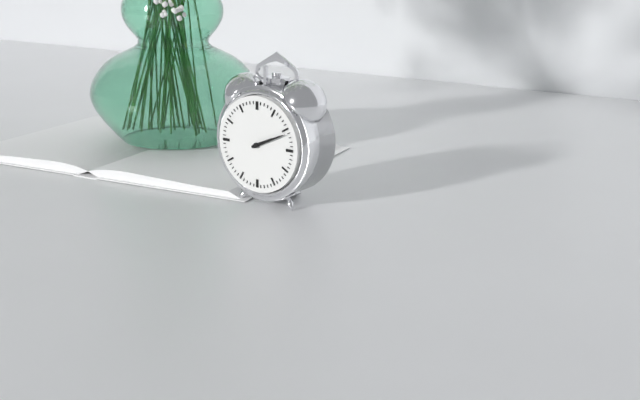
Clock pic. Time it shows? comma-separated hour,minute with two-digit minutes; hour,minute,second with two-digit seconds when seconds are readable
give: 2,11
